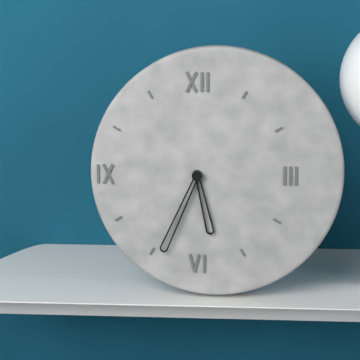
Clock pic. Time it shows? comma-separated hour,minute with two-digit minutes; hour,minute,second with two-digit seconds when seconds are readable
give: 5,34
